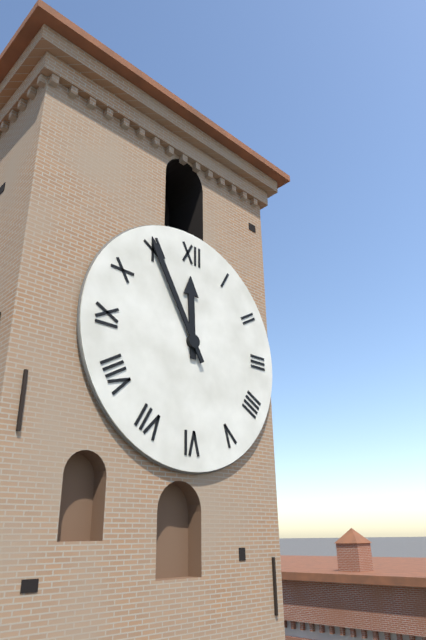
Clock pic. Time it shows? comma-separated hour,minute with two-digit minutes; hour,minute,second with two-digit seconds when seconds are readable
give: 11,55
